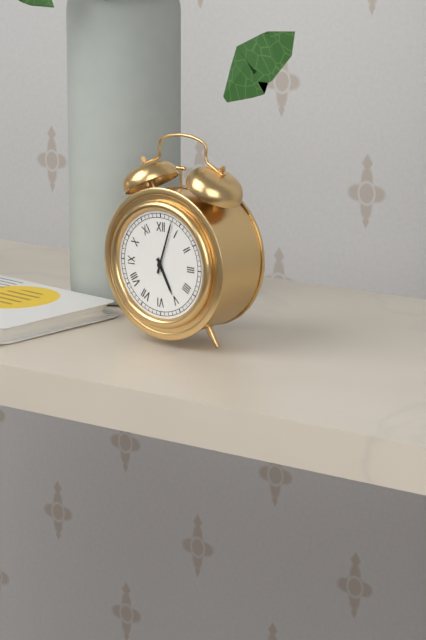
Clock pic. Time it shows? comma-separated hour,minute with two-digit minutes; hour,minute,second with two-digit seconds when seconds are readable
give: 5,03
